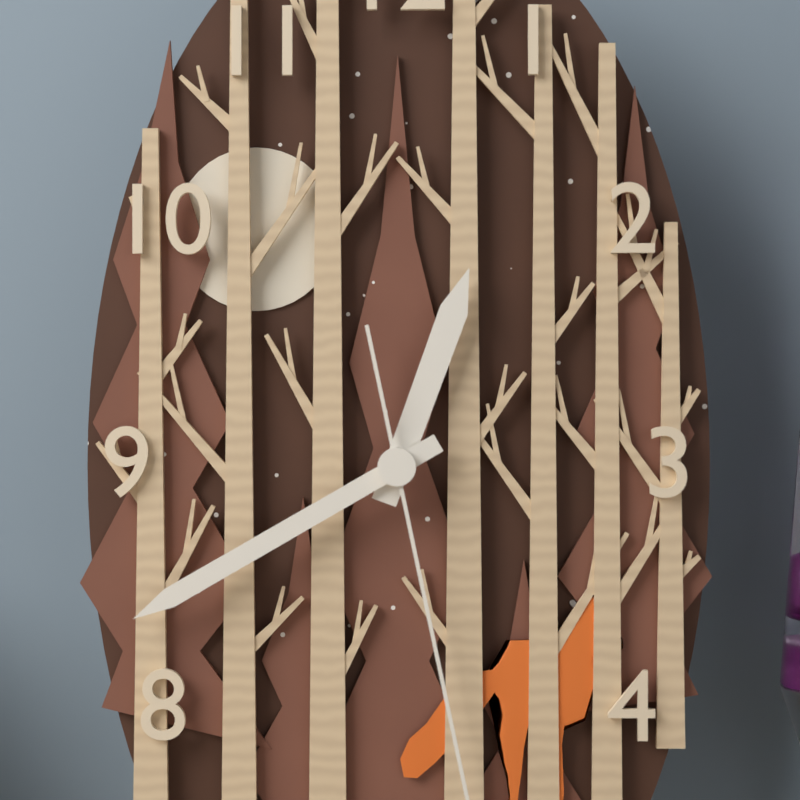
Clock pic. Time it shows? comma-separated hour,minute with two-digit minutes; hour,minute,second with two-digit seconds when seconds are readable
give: 12,40
